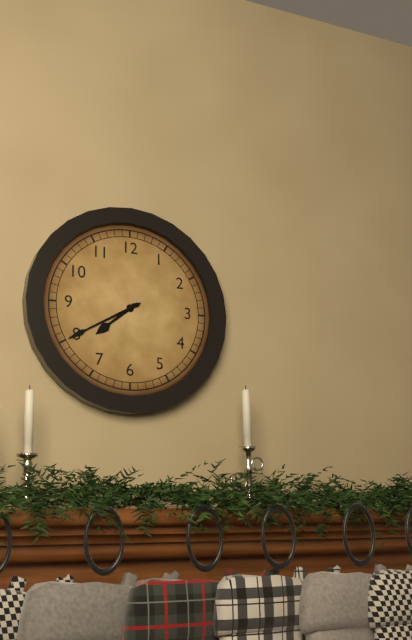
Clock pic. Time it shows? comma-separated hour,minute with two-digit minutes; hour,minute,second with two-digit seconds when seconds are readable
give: 7,40
